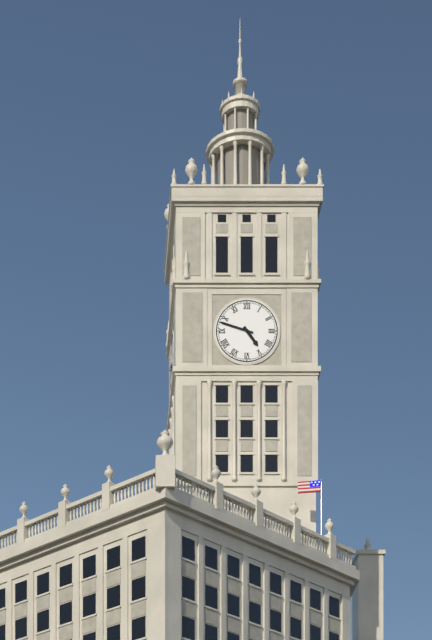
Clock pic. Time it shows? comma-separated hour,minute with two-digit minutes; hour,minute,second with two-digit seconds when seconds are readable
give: 4,48
